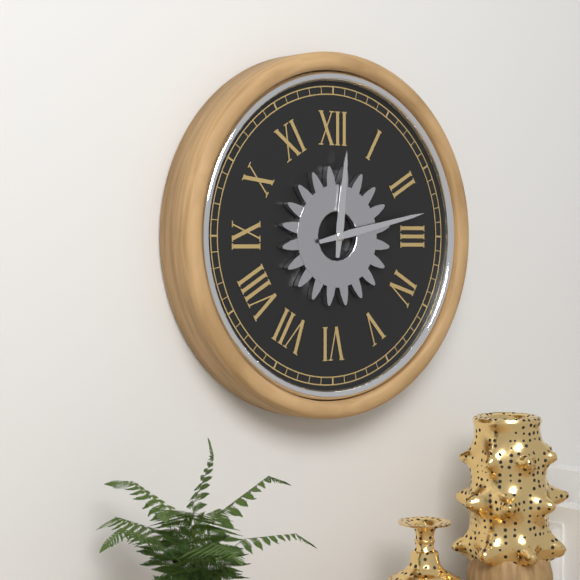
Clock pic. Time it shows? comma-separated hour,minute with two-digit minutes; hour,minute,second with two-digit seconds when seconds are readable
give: 12,13
